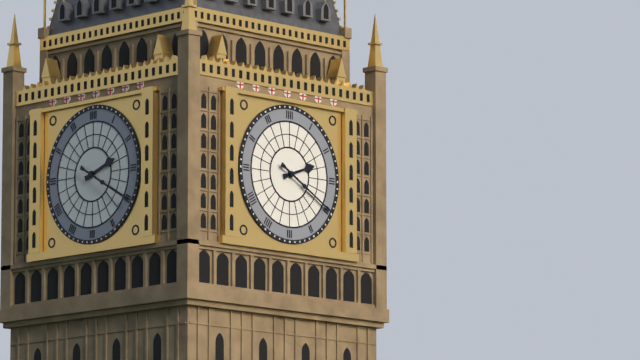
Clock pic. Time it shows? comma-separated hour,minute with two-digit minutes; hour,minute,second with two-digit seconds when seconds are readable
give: 2,20
